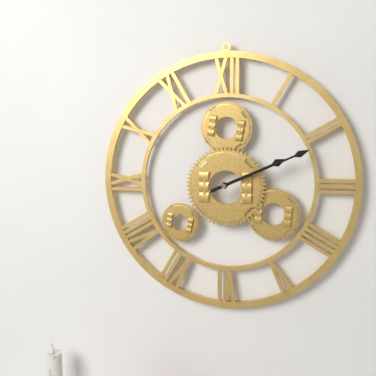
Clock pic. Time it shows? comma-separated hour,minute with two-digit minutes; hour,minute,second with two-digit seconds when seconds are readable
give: 2,11
